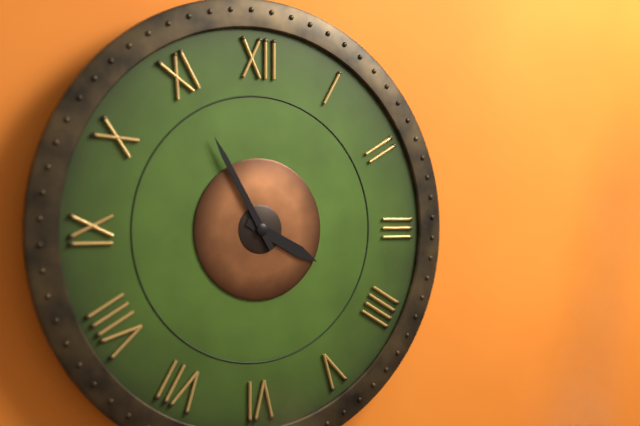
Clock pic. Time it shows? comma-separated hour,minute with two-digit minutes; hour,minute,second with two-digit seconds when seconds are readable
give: 3,55
